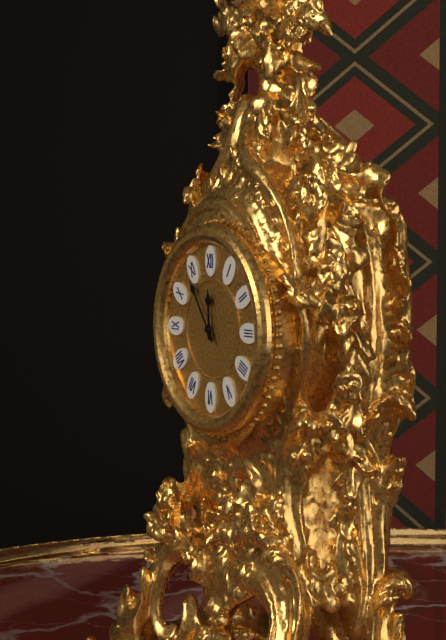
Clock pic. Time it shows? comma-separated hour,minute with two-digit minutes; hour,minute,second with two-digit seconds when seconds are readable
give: 11,54
